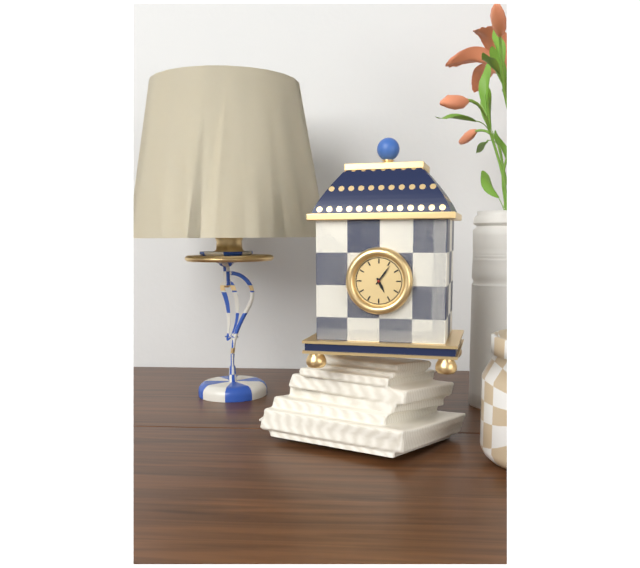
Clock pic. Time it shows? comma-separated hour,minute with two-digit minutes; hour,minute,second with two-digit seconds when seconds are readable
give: 5,06
